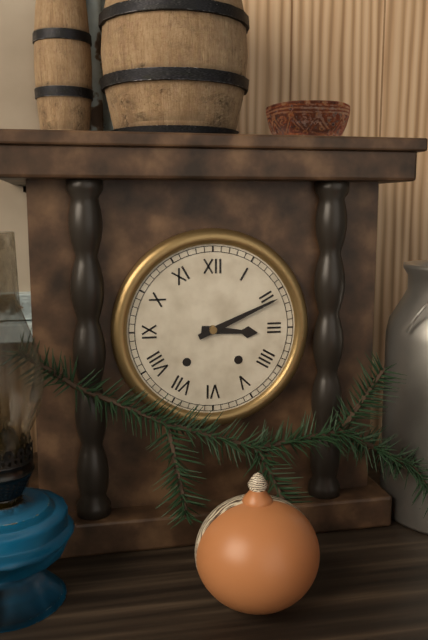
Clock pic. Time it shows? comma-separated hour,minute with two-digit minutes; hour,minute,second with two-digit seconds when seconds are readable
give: 3,11
